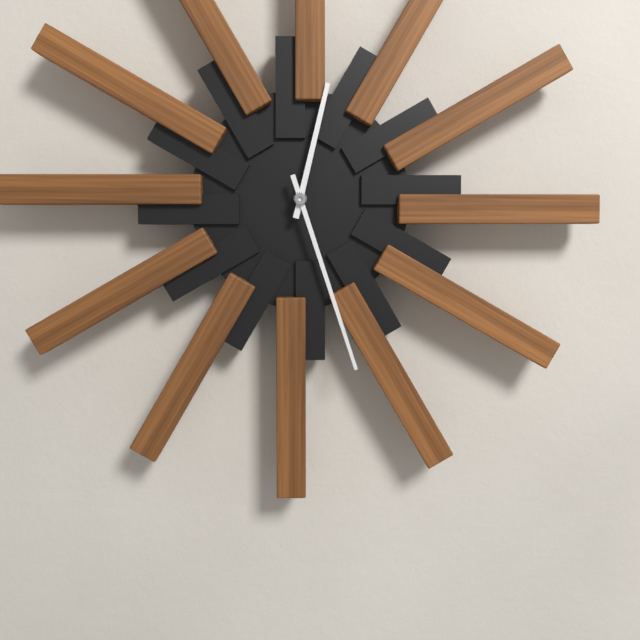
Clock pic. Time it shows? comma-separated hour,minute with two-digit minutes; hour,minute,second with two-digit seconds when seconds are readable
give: 12,27
